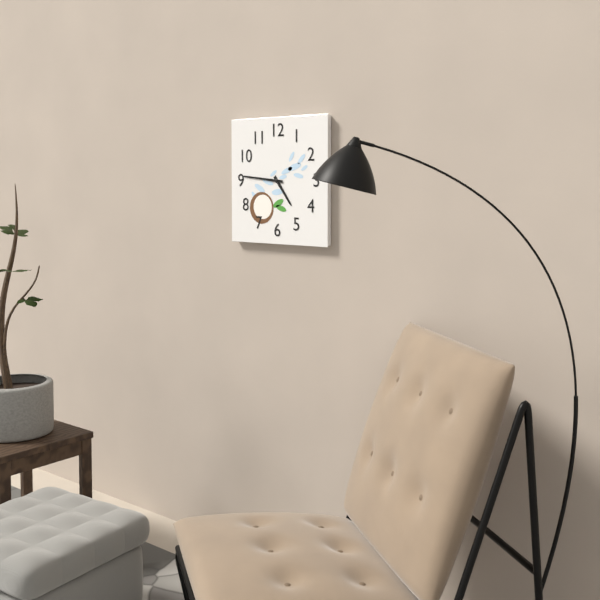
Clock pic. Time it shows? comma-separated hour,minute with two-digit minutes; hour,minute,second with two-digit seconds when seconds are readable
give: 4,46
